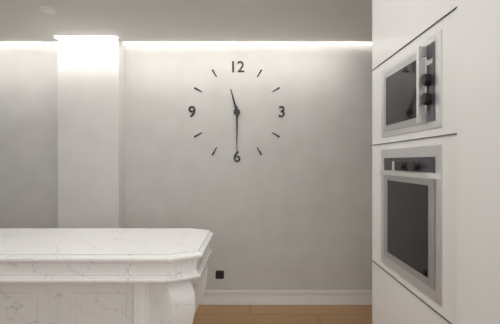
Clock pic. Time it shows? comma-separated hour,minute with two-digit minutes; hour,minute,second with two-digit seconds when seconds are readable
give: 11,30
